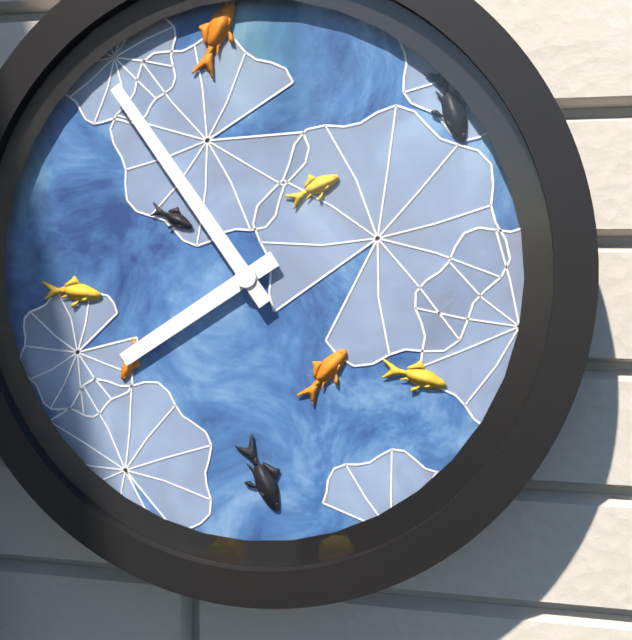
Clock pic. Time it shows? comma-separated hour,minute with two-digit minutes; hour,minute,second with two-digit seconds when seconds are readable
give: 7,54
